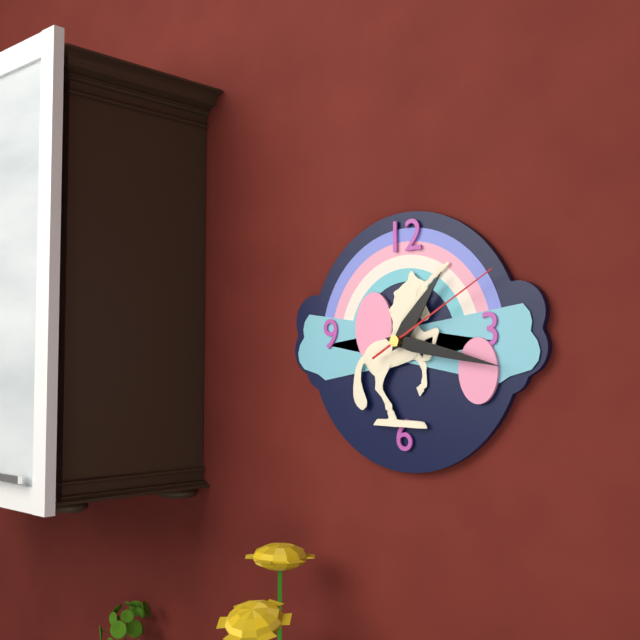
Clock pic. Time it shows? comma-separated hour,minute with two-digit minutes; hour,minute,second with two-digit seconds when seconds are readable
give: 1,17,10
